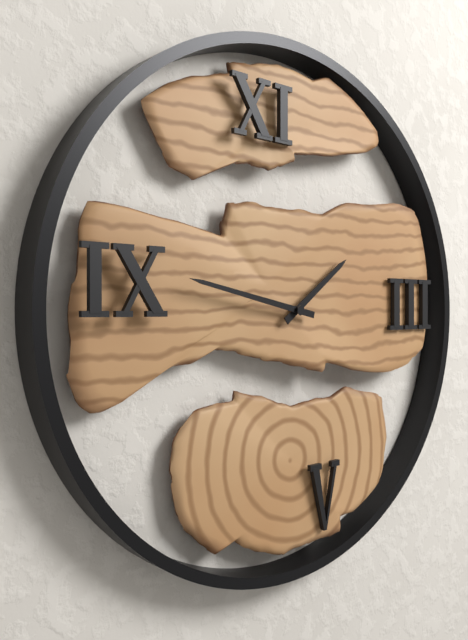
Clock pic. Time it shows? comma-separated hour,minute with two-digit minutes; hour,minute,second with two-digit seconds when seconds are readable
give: 1,47
